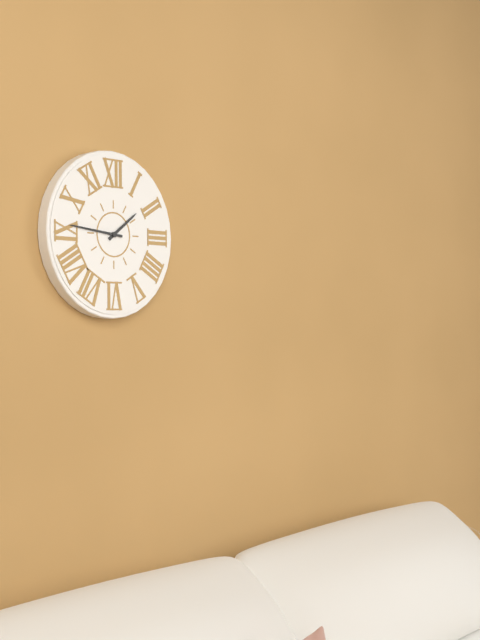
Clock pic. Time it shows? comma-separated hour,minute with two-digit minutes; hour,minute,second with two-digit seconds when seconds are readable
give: 1,46
